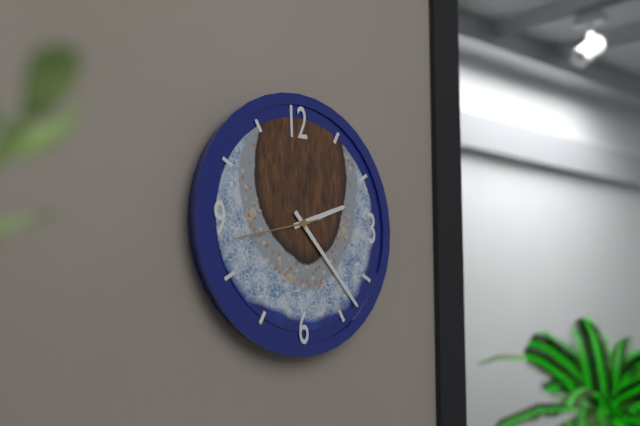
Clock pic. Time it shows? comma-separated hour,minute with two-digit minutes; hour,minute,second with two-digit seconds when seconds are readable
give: 2,23,43
